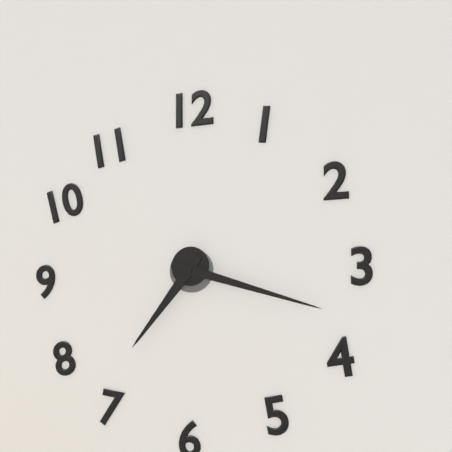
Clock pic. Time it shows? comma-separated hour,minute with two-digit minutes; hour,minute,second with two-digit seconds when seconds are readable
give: 7,18
